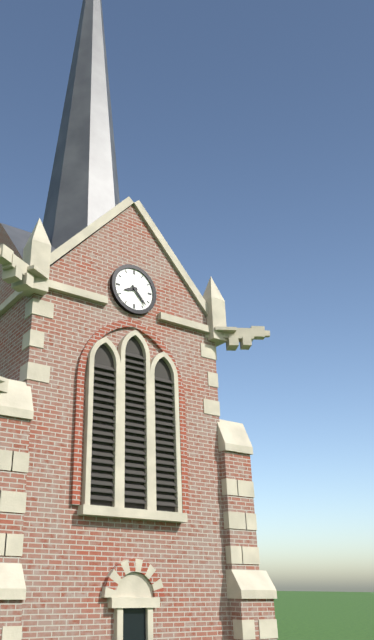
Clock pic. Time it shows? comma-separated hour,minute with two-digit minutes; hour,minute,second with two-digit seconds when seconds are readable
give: 8,23
